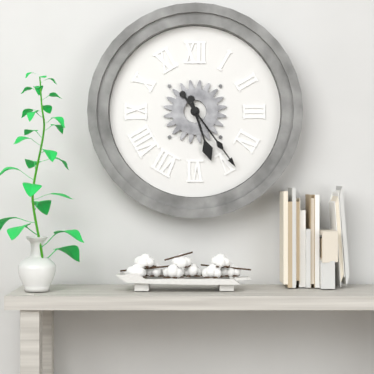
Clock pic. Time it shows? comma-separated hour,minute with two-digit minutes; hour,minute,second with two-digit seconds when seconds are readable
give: 5,24
